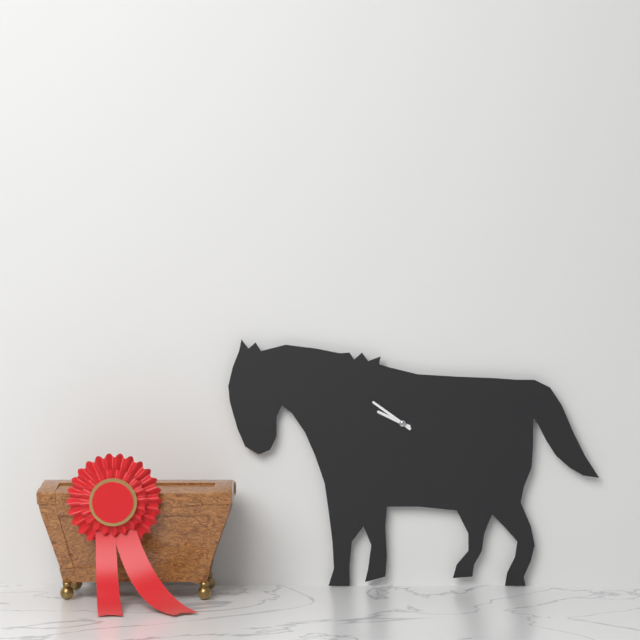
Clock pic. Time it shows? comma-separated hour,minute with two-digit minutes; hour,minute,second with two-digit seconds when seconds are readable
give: 9,51
